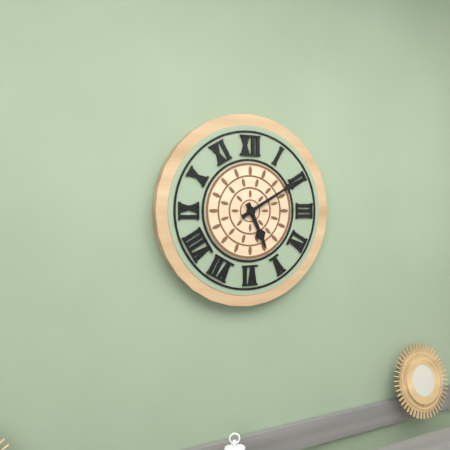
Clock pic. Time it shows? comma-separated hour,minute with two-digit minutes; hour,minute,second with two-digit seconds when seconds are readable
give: 5,10
